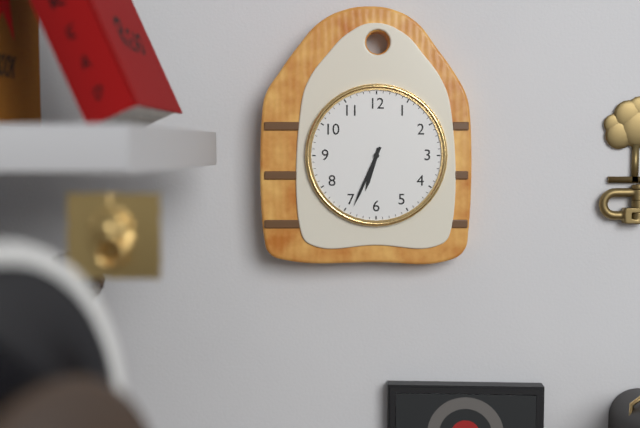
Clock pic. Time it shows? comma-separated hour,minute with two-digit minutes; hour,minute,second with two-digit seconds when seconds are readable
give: 6,34
